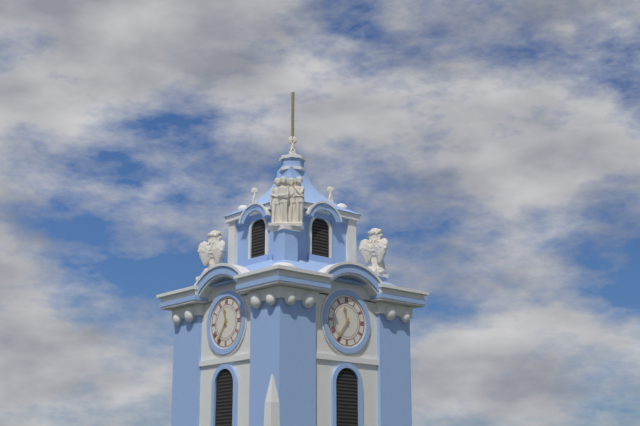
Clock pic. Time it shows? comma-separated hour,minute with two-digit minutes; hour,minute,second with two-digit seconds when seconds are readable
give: 11,36
